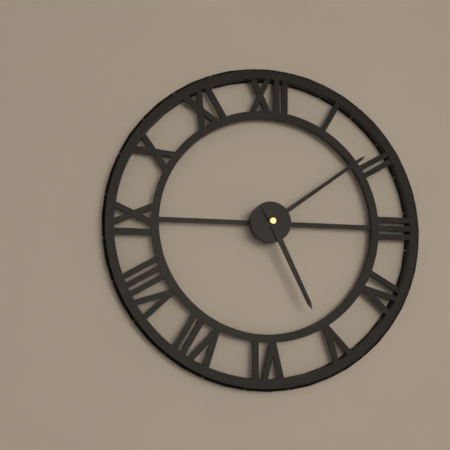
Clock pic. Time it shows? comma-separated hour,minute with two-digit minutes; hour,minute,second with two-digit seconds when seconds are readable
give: 5,09
